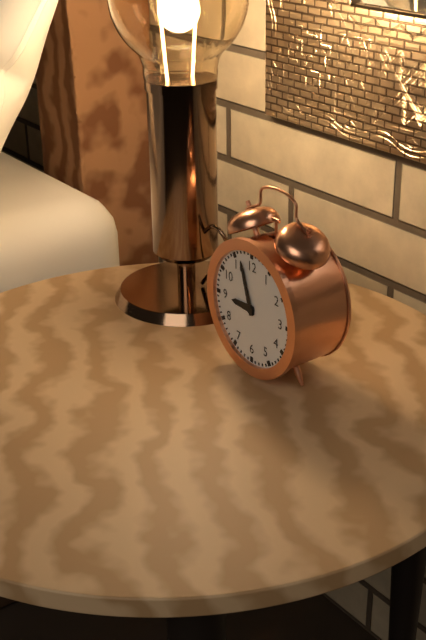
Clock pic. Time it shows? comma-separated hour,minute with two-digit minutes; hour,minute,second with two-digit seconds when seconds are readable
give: 8,57
